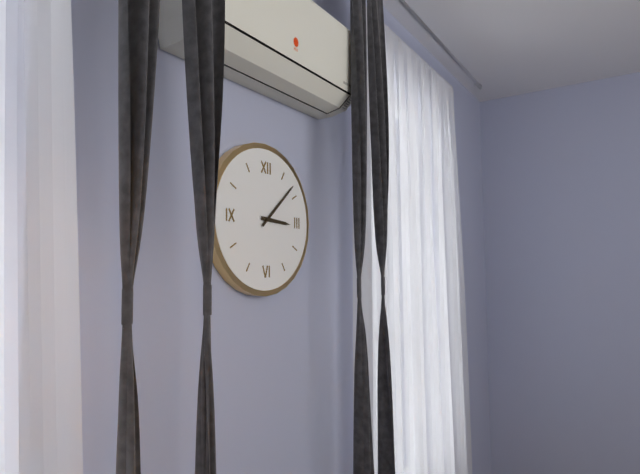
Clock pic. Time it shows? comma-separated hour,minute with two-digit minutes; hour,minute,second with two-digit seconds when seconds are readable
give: 3,08
